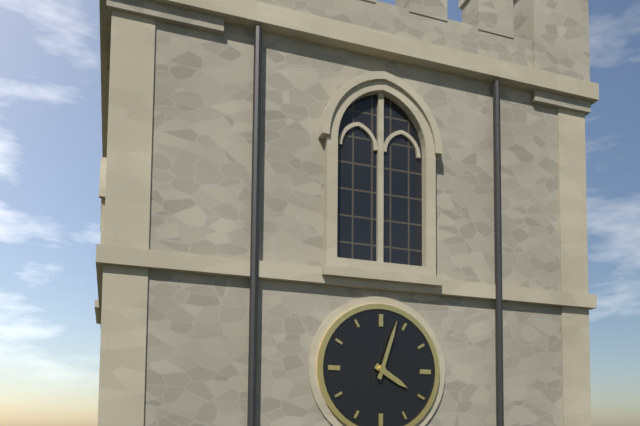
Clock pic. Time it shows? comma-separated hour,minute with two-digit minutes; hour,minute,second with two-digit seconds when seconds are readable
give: 4,03
